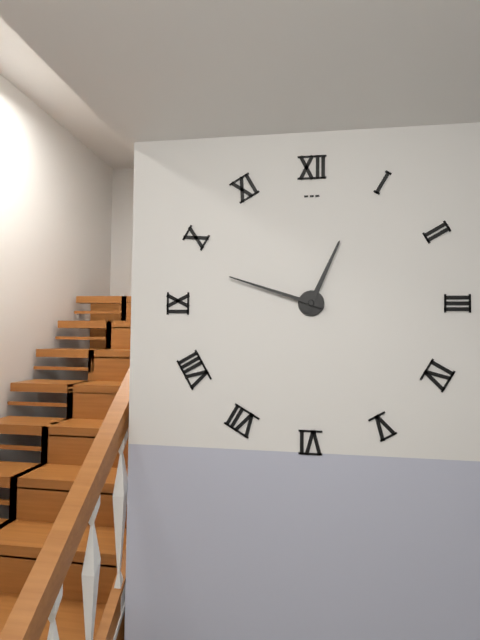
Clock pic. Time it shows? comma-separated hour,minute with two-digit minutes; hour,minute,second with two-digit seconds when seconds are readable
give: 12,48
